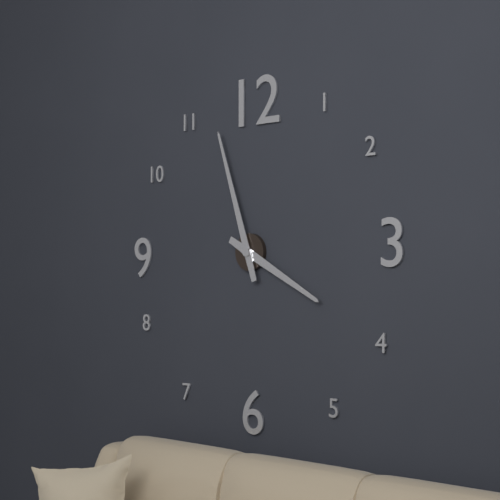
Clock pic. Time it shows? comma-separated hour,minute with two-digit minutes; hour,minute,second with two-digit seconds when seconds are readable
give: 3,57
